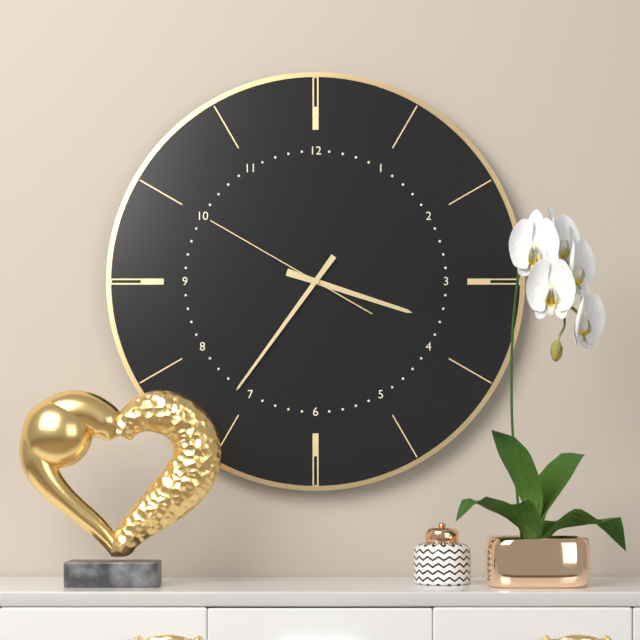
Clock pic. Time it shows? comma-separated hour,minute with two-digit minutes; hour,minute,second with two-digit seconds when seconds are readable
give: 3,36,50
